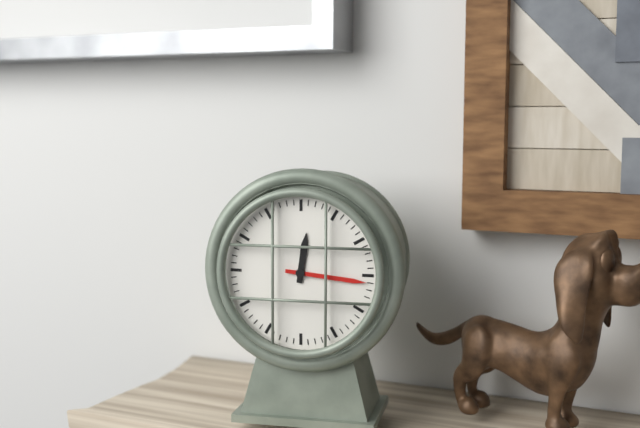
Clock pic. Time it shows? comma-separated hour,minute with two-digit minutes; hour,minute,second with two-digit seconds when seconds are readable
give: 12,16
